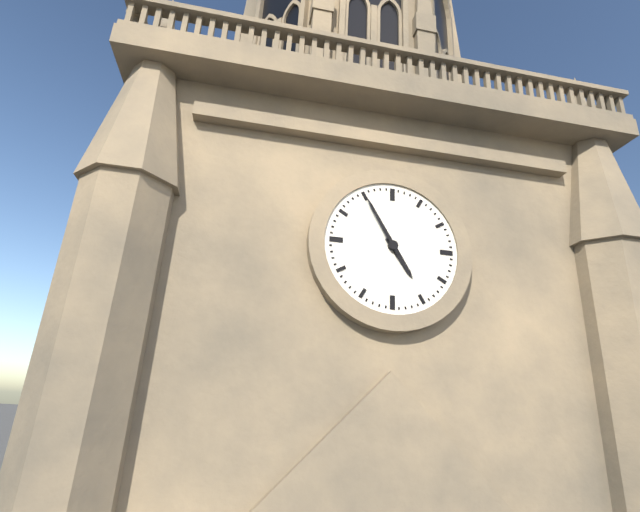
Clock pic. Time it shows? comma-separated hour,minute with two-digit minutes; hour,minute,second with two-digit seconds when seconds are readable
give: 4,55
